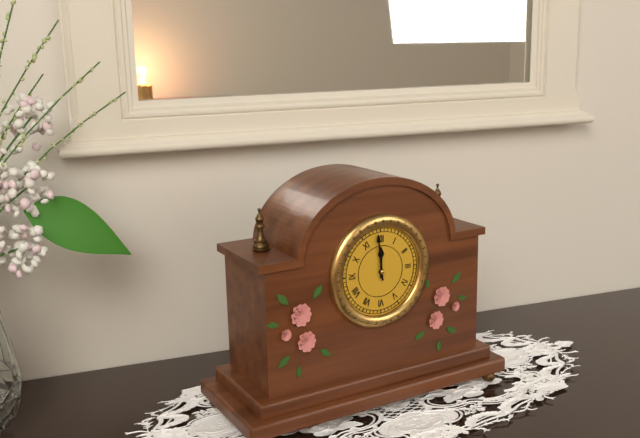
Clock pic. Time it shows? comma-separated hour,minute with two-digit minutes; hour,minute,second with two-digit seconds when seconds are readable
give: 11,59
